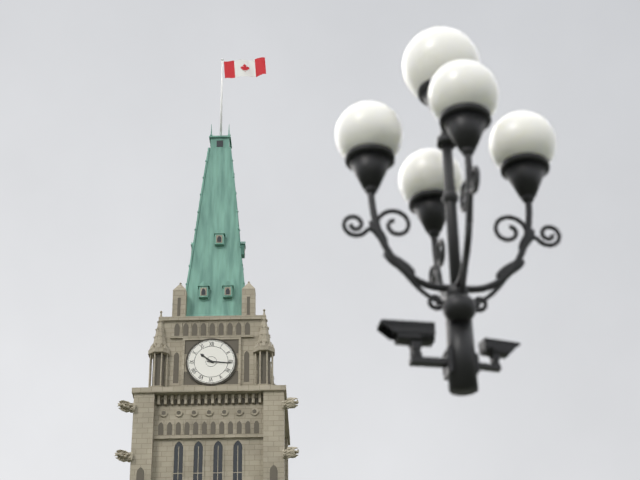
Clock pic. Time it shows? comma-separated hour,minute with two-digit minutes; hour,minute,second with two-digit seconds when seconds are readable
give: 10,16
